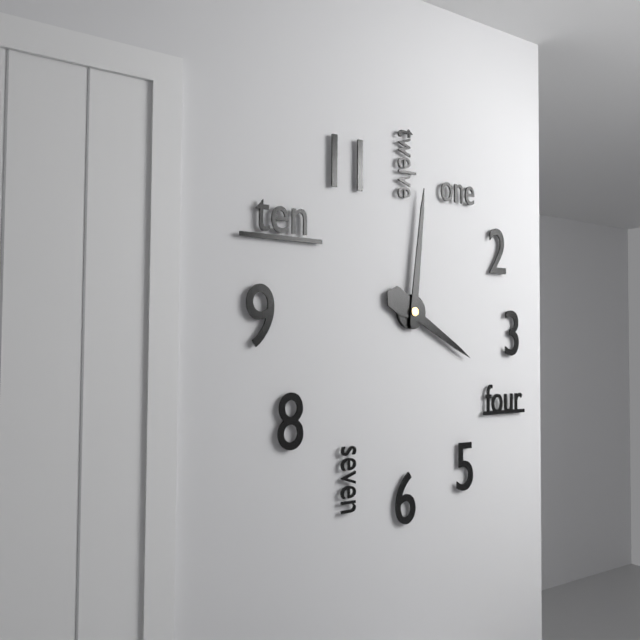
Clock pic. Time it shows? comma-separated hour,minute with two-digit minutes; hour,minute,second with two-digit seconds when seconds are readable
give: 4,01
